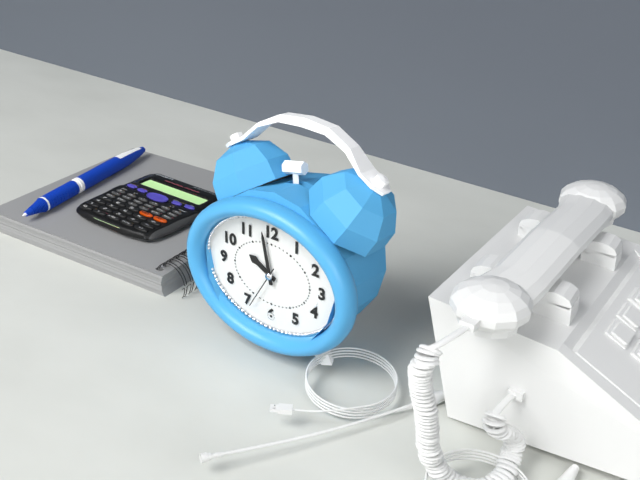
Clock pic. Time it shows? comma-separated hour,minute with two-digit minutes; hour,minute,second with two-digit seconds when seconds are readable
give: 9,58
